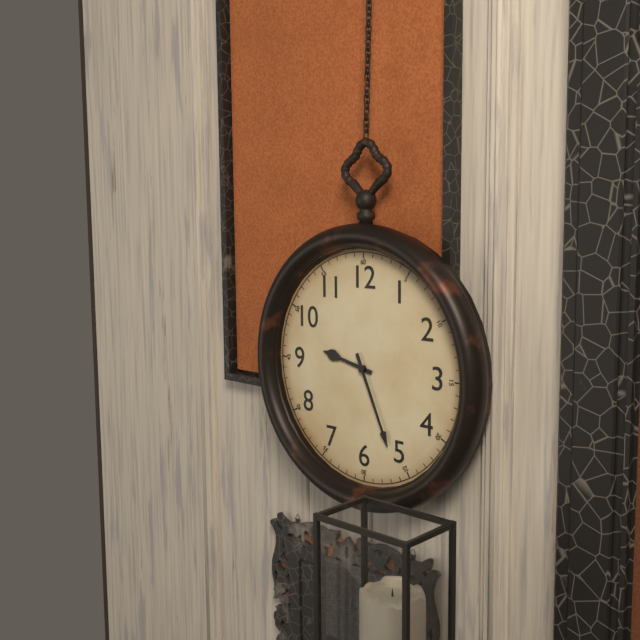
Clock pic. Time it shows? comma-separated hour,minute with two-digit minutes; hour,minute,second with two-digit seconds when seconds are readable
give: 9,26
